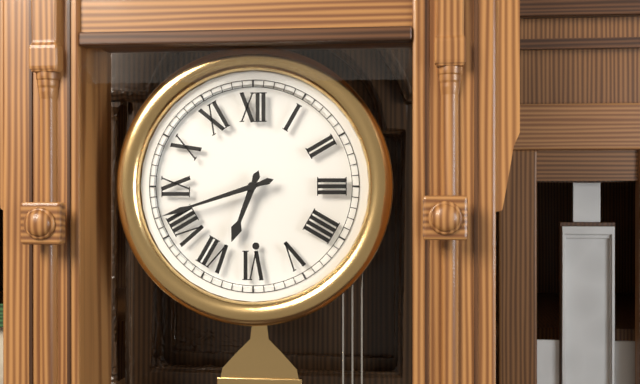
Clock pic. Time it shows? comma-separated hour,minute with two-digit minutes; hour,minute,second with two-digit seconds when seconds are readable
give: 6,42
